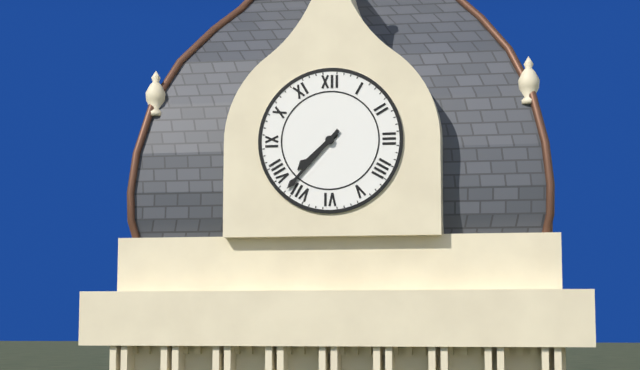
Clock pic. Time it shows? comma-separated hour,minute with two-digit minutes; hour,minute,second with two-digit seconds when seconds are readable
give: 7,37
